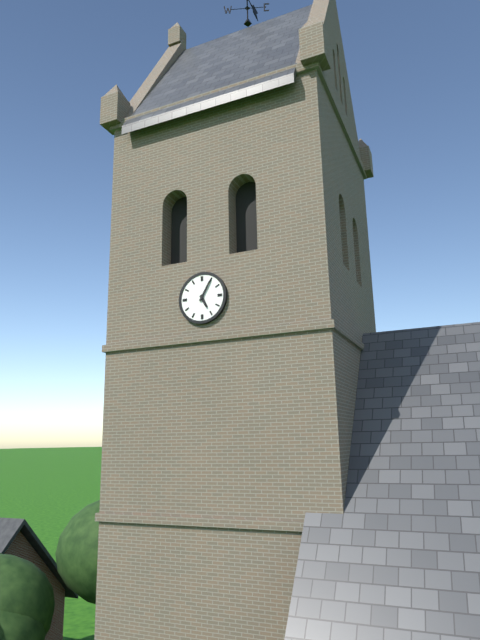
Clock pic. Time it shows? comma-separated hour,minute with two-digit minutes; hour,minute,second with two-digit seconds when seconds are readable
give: 5,05
